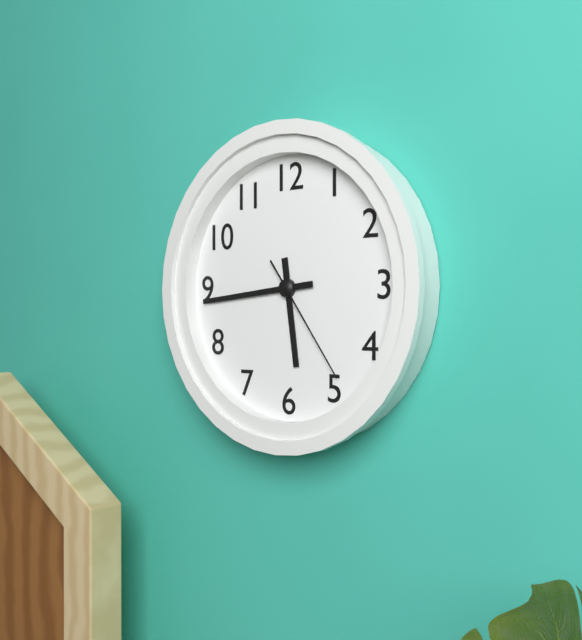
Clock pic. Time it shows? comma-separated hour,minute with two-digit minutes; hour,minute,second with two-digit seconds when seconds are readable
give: 5,44,24
